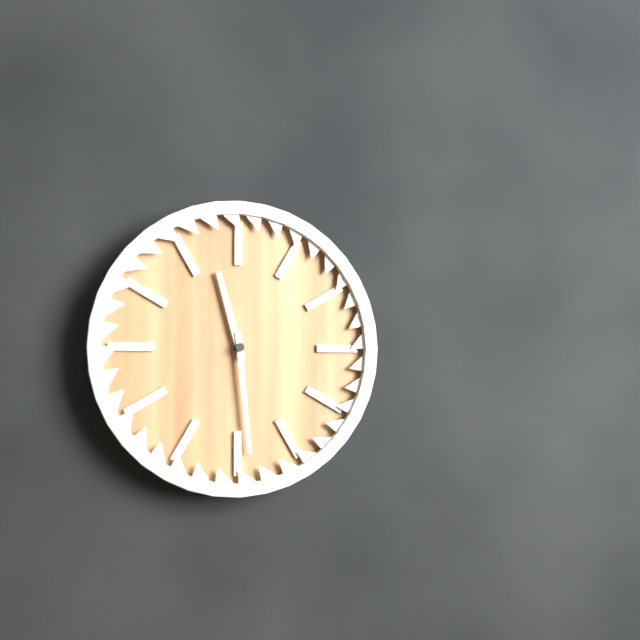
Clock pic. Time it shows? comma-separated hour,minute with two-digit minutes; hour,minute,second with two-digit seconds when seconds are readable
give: 11,29
